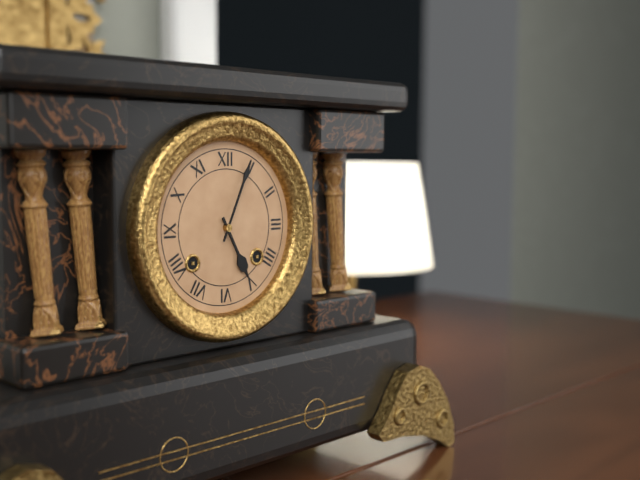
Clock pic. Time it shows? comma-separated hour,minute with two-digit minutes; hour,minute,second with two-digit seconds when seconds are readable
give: 5,04
